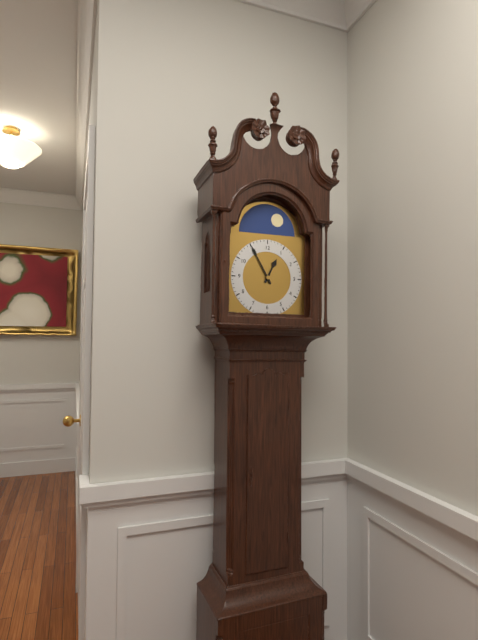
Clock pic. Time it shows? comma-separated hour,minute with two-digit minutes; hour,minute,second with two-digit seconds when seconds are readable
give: 12,55
